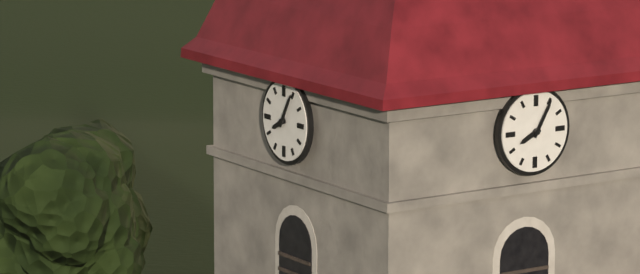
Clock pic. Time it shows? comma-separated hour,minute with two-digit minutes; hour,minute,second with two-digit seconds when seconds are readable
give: 8,05
